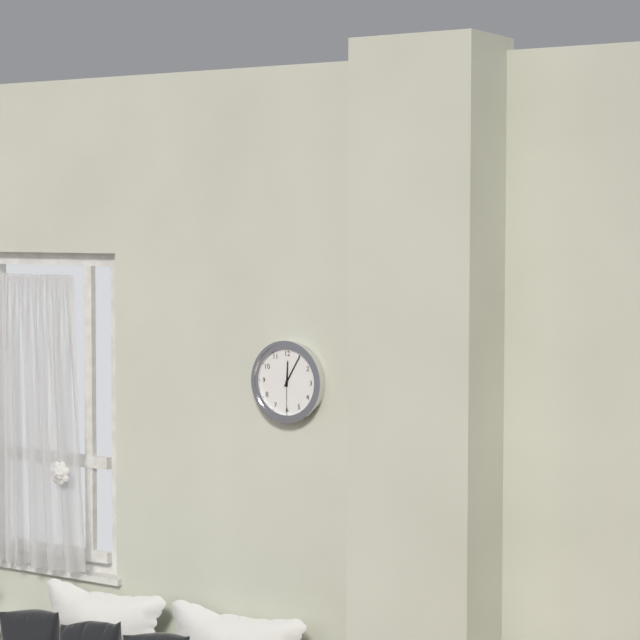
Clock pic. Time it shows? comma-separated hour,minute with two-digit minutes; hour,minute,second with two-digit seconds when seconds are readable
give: 12,05
